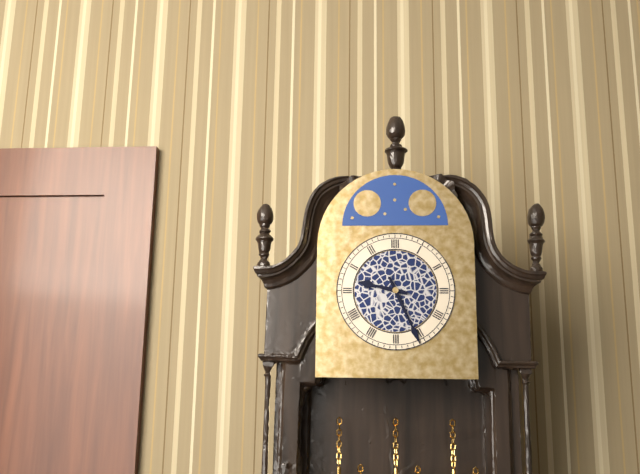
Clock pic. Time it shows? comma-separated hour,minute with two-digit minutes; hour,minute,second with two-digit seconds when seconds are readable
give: 9,26
